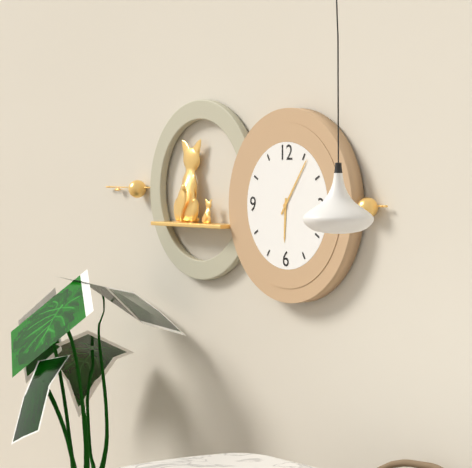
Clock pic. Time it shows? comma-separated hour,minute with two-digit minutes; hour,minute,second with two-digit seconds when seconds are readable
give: 6,06
